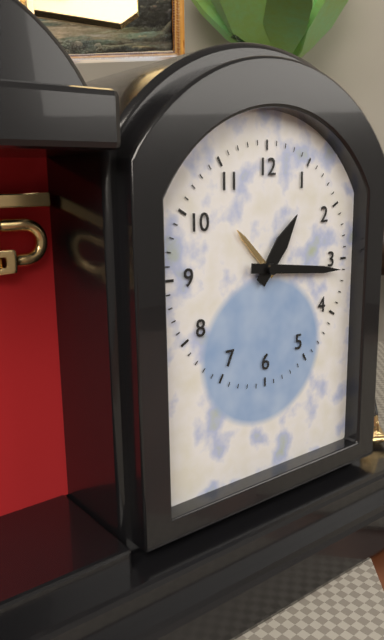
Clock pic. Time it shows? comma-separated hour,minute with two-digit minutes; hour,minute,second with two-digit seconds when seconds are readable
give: 1,16
